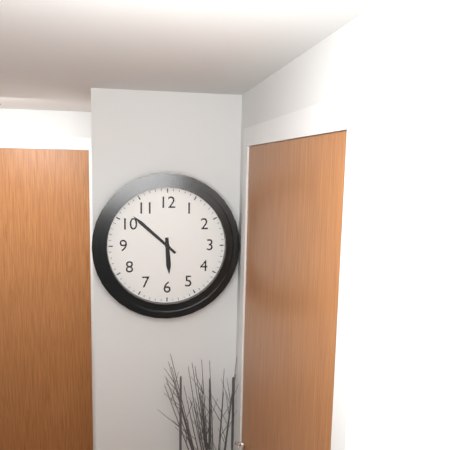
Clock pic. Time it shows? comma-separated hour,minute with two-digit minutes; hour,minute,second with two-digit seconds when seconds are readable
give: 5,52
